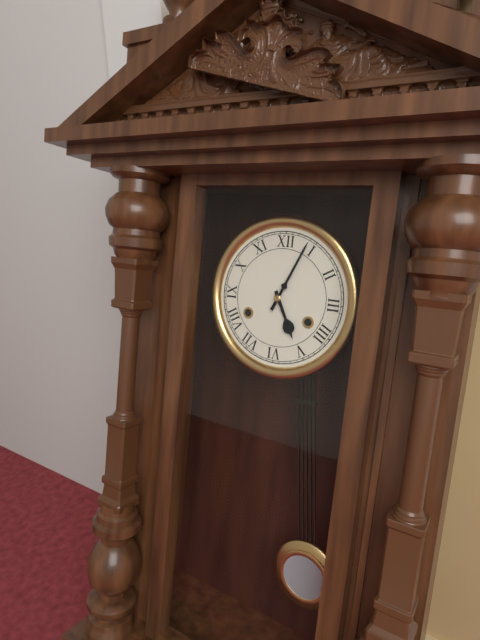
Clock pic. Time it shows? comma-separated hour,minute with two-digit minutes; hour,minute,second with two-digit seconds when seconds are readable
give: 5,04
